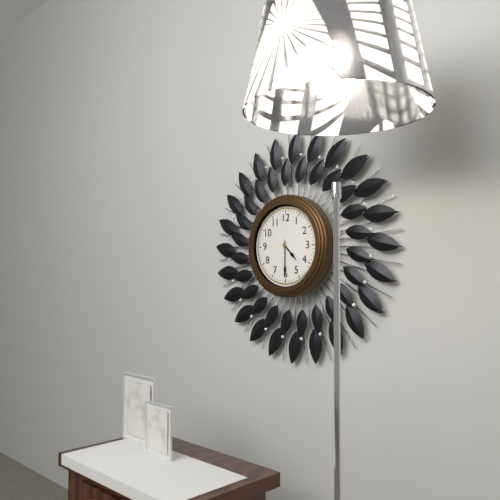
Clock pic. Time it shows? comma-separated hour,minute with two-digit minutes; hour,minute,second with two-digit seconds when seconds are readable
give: 4,30
